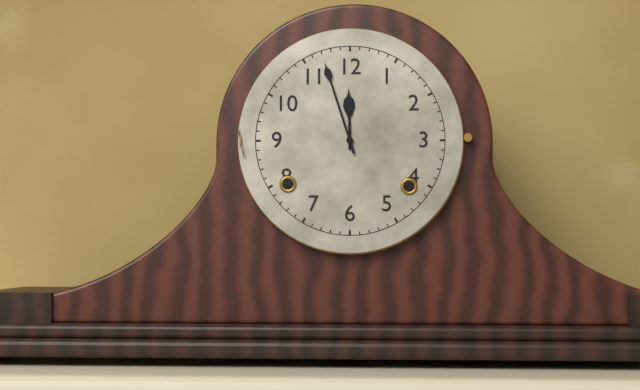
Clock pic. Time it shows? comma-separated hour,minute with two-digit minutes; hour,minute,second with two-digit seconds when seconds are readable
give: 11,57
